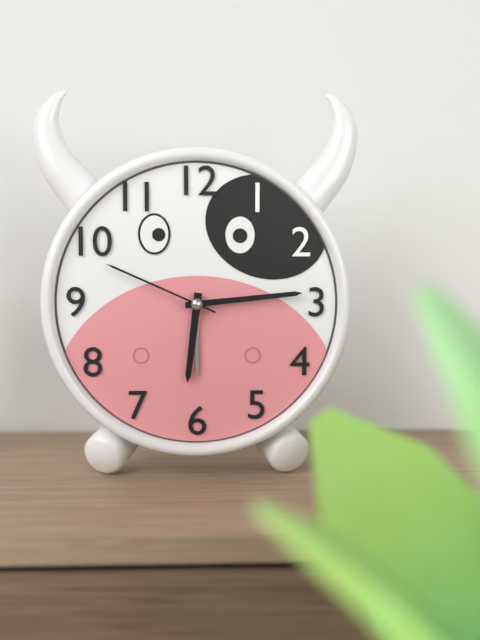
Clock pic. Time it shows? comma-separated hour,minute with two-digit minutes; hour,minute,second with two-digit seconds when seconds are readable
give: 6,14,49
